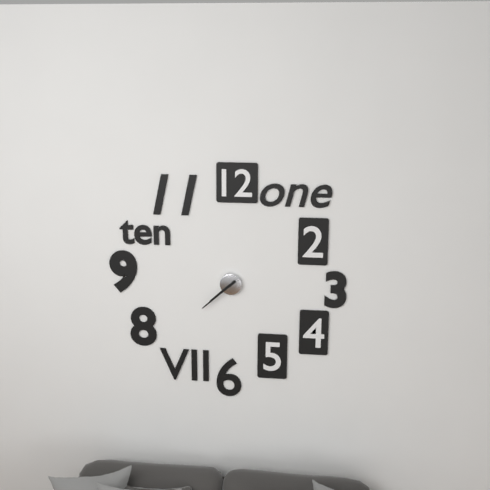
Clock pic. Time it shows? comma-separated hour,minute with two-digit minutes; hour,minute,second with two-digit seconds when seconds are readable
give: 7,38
